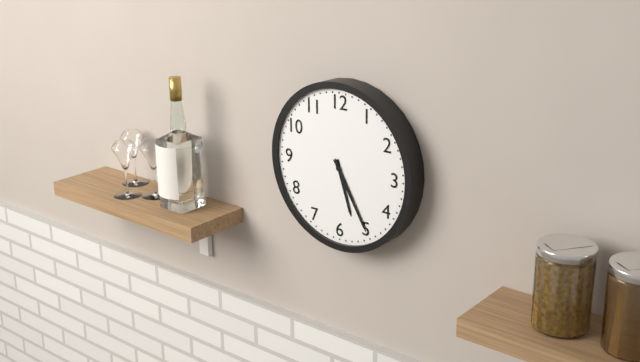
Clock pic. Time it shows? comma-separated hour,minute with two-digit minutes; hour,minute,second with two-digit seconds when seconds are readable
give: 5,25
